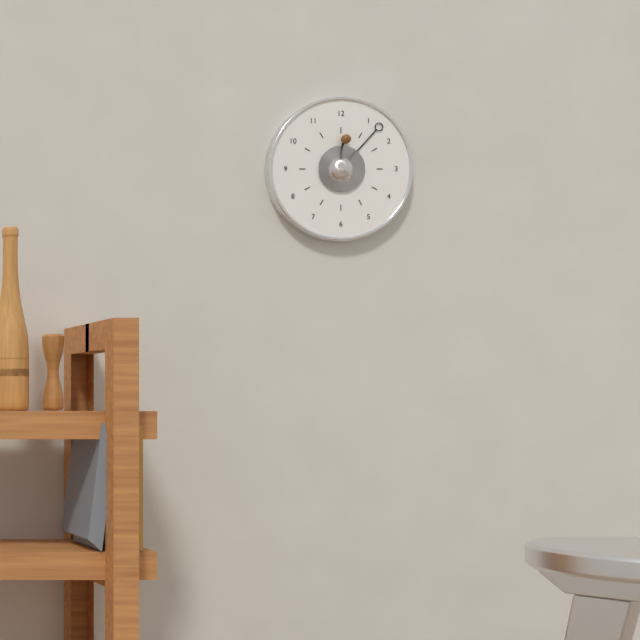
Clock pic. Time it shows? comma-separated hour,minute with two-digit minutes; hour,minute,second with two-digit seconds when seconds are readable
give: 12,07
